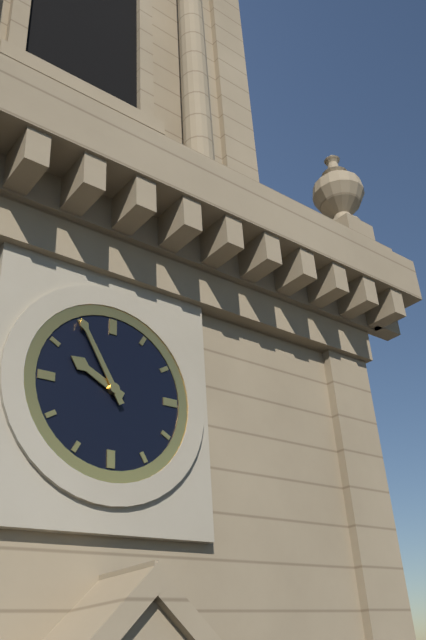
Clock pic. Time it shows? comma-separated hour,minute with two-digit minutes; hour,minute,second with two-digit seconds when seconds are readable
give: 9,55
